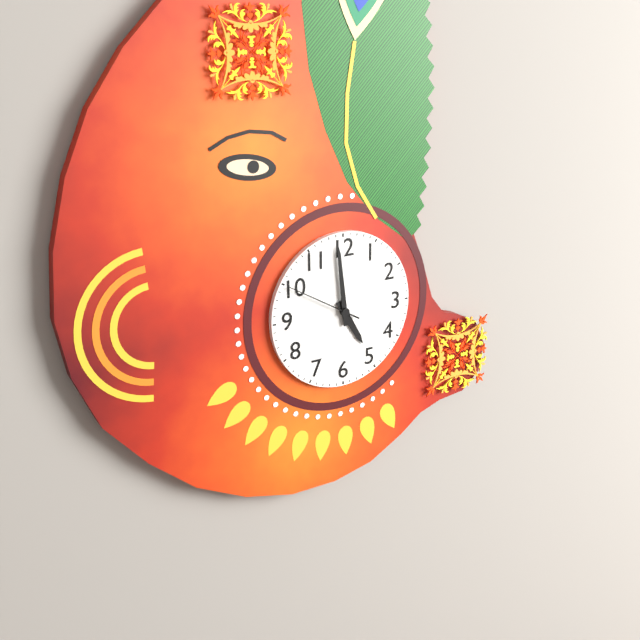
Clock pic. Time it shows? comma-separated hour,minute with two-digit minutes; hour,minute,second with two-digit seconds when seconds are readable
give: 4,59,50
